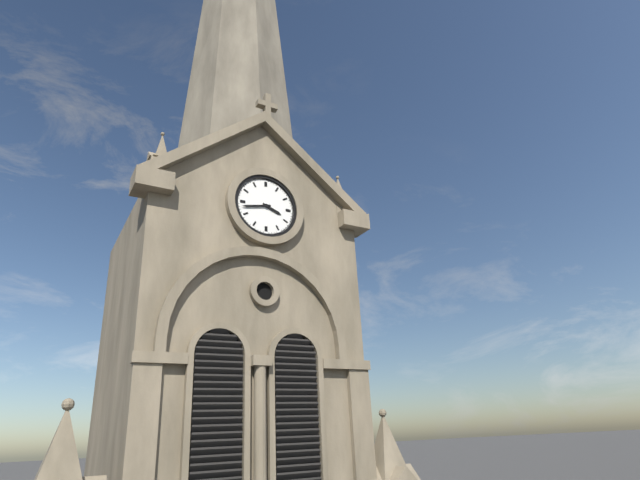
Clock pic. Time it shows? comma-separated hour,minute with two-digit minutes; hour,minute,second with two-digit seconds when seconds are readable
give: 3,43
